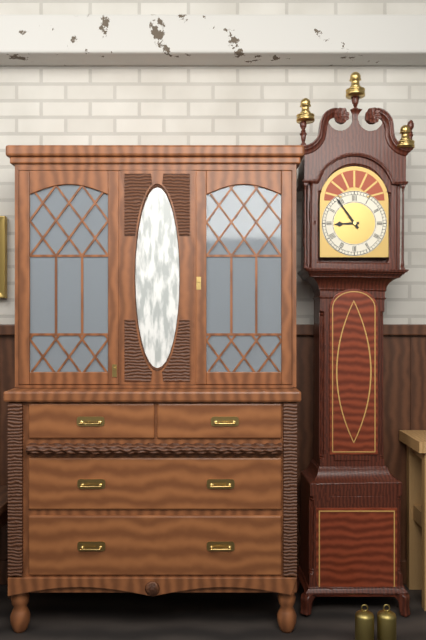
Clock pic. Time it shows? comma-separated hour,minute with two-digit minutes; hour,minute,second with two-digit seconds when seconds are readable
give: 8,54
